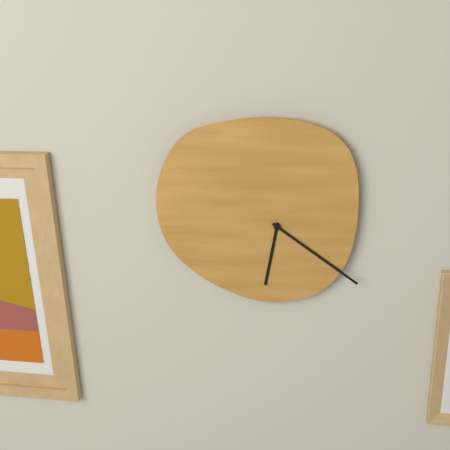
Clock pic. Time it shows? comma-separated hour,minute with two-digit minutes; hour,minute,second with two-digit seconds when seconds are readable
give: 6,21
